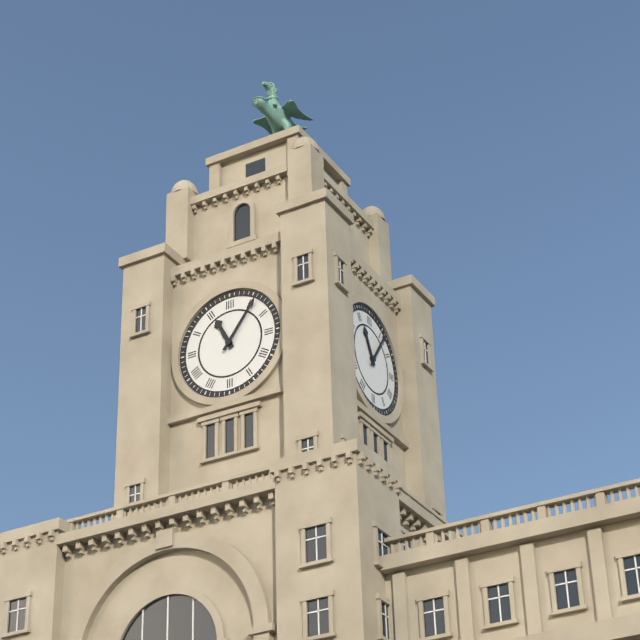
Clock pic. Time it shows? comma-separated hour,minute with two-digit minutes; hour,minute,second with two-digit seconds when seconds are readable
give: 11,06
